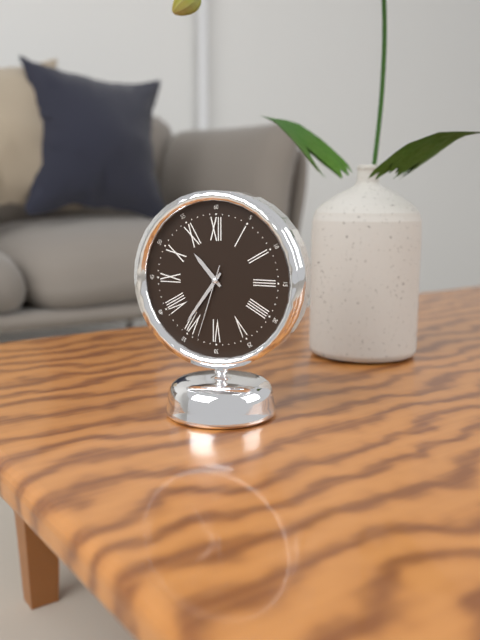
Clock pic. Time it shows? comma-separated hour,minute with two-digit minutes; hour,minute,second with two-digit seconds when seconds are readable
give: 10,36,33
